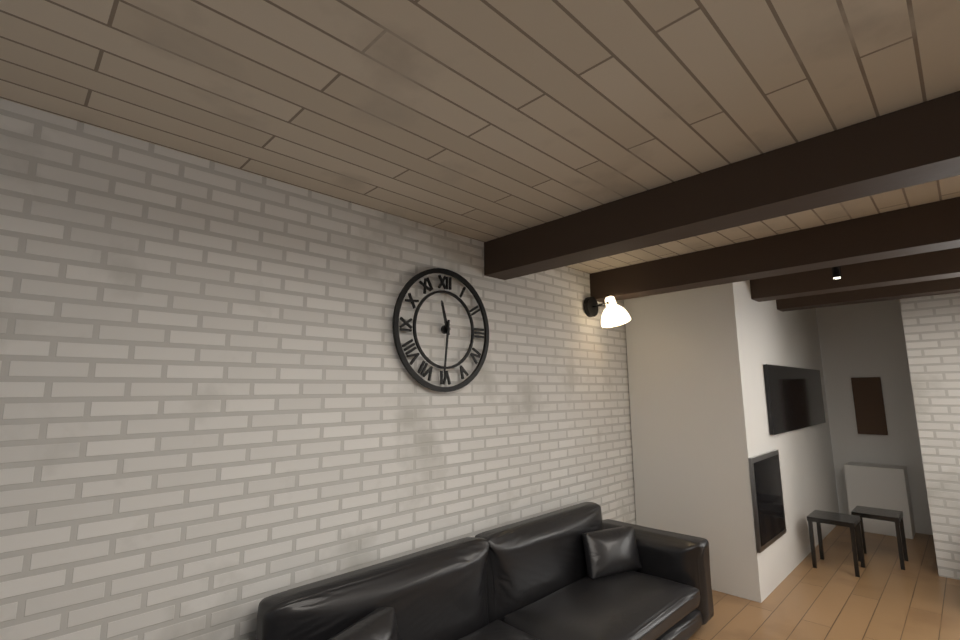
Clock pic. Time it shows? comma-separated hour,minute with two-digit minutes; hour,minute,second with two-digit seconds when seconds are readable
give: 11,31
